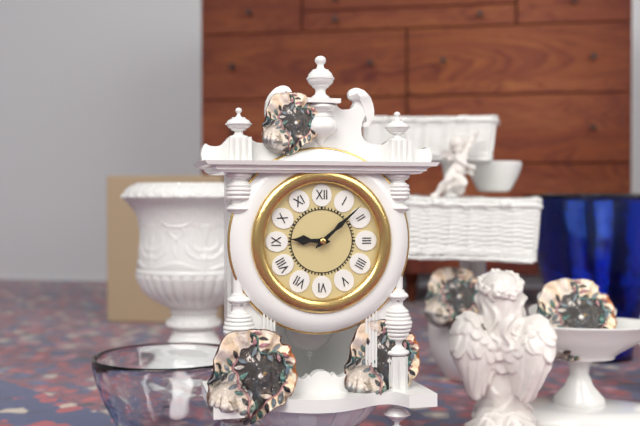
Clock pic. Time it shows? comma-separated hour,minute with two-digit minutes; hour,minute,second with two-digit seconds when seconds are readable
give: 9,08
